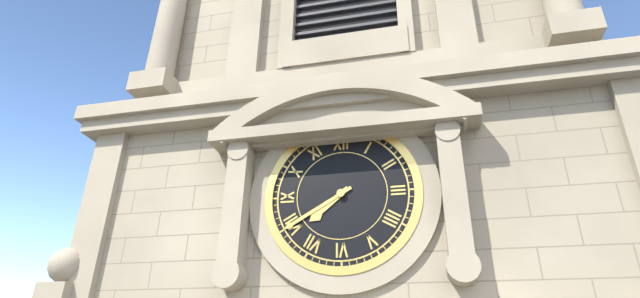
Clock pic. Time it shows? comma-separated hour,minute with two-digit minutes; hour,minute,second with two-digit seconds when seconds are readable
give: 7,40
